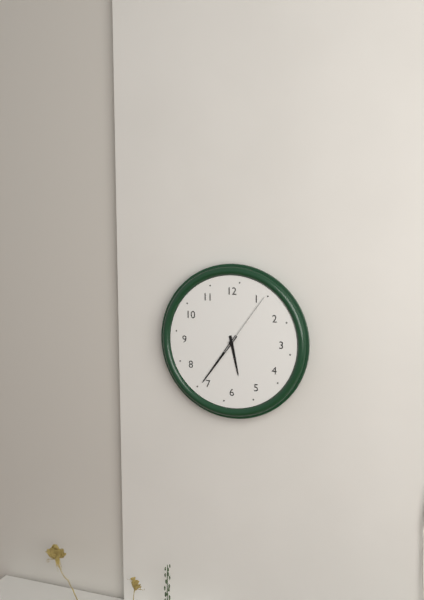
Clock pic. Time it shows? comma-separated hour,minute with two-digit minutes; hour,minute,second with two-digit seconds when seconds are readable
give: 5,36,06
